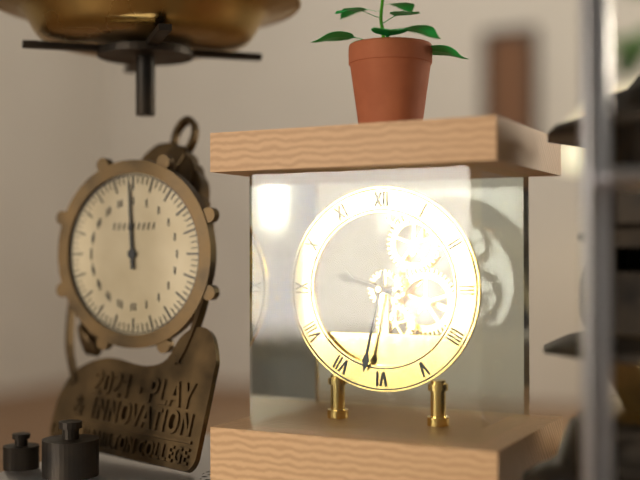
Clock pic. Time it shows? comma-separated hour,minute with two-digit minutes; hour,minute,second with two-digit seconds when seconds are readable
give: 9,32
